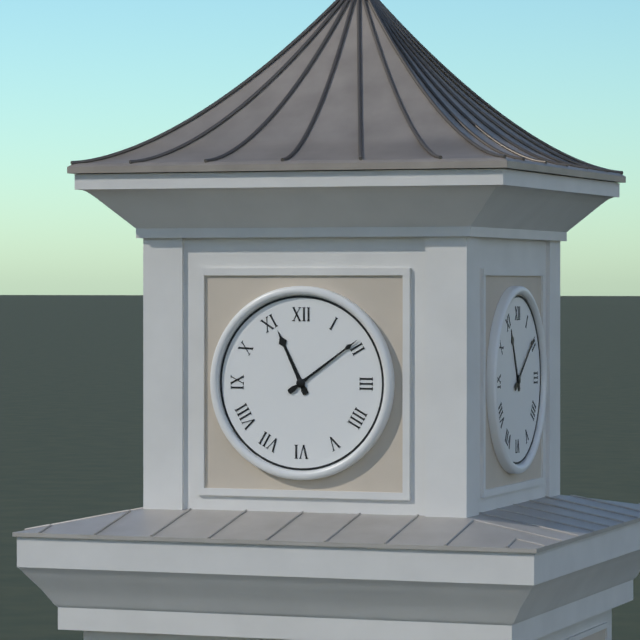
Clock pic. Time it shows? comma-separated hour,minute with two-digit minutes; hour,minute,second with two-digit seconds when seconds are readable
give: 11,09
